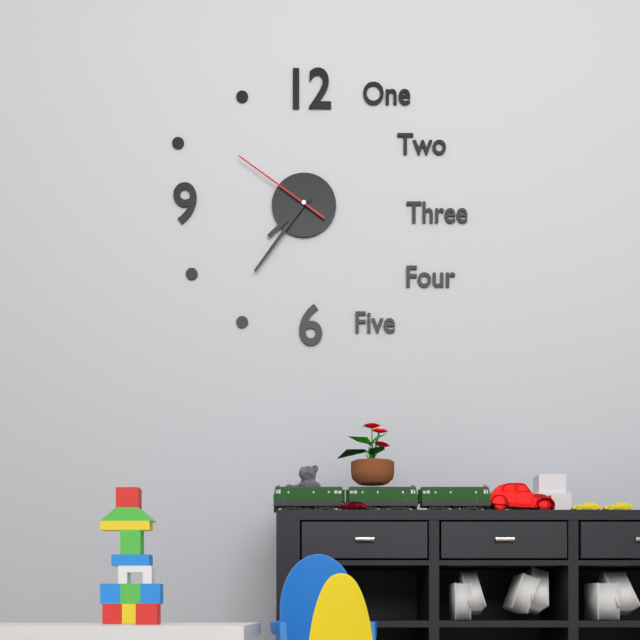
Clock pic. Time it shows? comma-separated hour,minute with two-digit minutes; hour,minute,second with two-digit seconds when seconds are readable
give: 7,36,51
